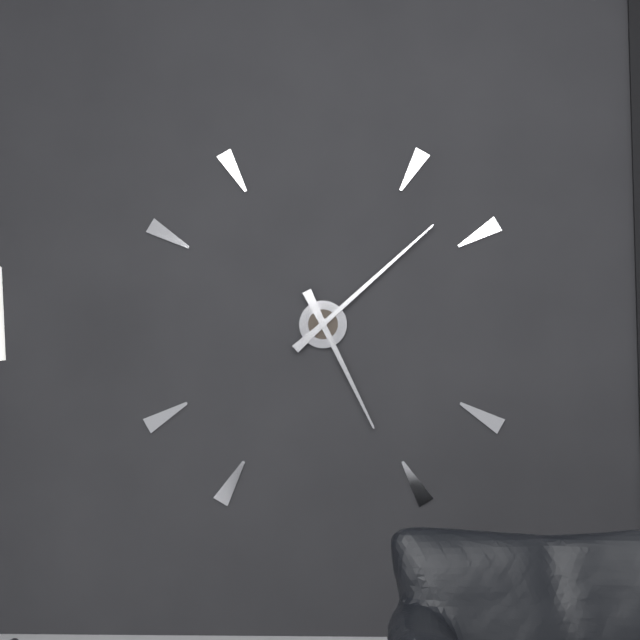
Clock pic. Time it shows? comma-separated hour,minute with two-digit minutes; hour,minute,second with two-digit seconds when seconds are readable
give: 5,08
